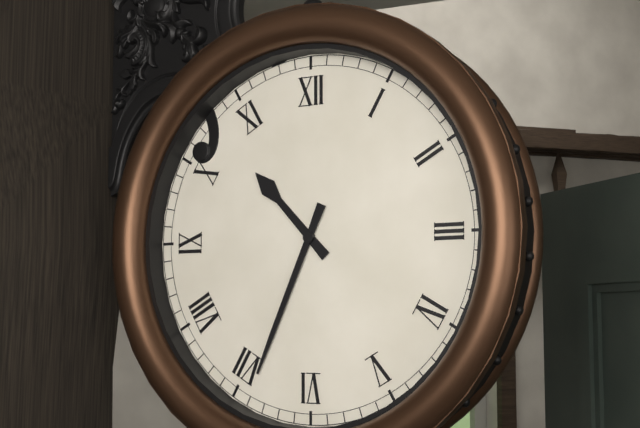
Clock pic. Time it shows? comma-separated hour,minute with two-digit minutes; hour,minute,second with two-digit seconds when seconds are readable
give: 10,34
